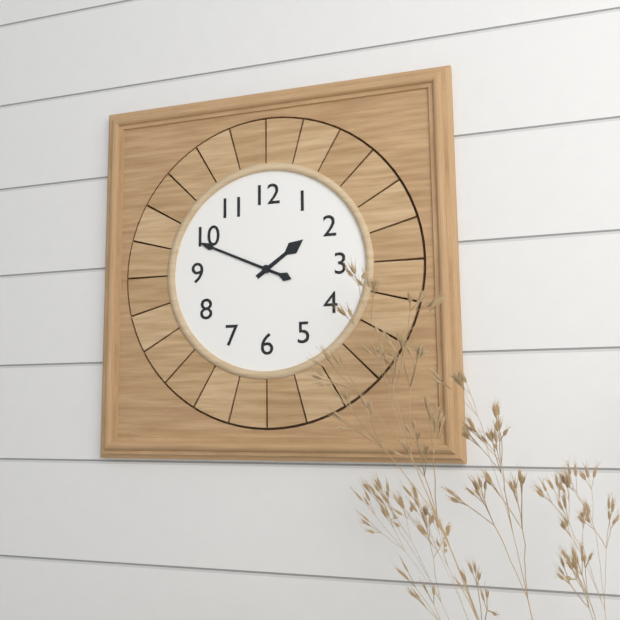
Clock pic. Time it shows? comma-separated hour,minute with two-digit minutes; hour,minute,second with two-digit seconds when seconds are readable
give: 1,49
